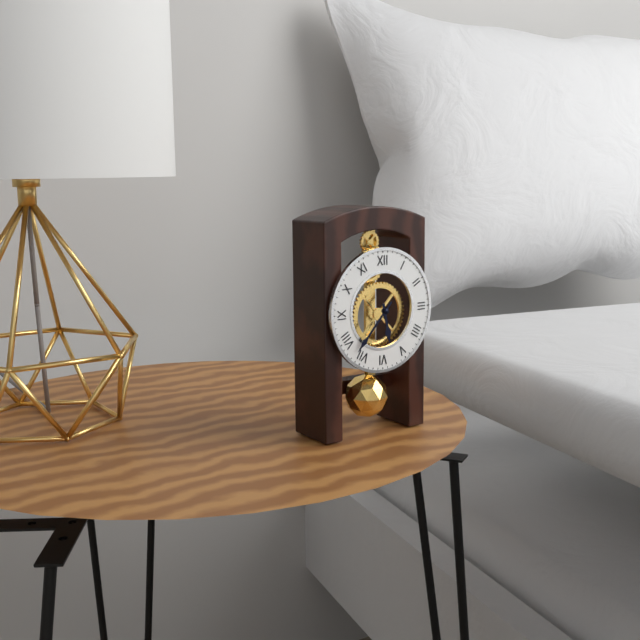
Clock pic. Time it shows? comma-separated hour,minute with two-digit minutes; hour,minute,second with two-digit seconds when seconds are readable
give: 5,37
